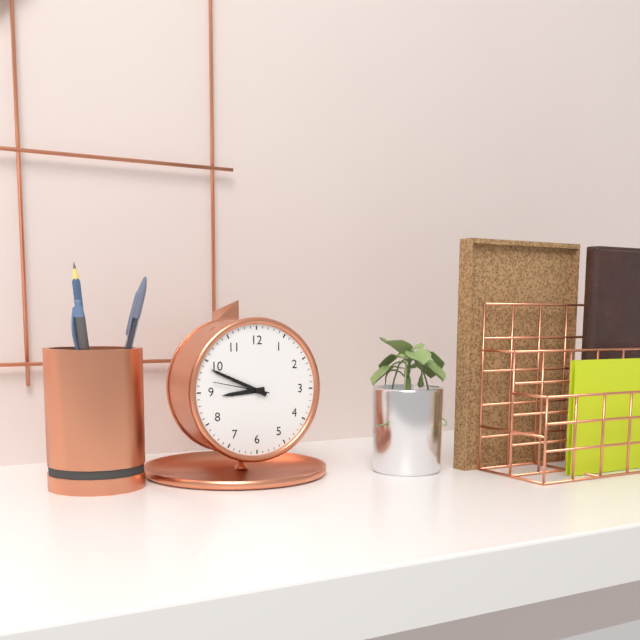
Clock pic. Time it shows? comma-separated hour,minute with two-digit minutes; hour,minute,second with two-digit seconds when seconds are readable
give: 8,49,47
